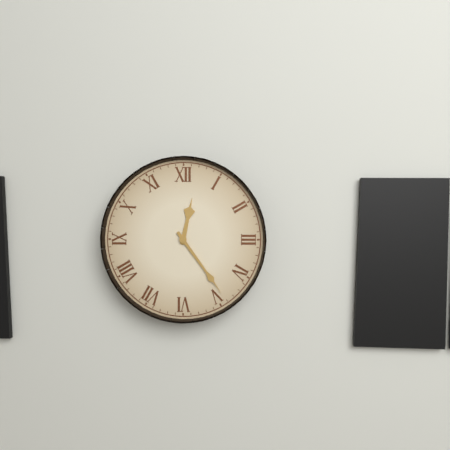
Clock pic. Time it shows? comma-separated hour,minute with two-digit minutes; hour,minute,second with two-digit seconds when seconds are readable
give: 12,24
